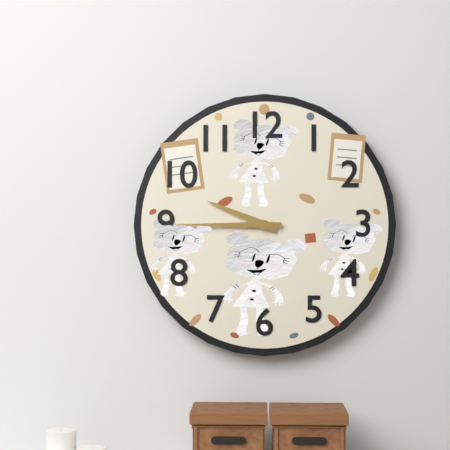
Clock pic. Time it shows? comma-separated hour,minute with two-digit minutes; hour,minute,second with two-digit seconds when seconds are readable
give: 9,45
